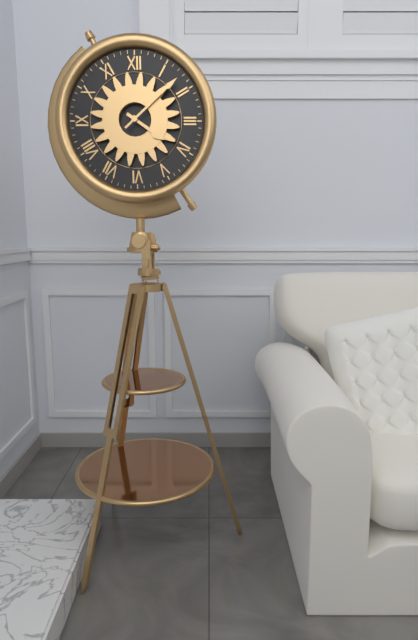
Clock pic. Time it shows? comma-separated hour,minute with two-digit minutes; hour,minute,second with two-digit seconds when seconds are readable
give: 4,08
